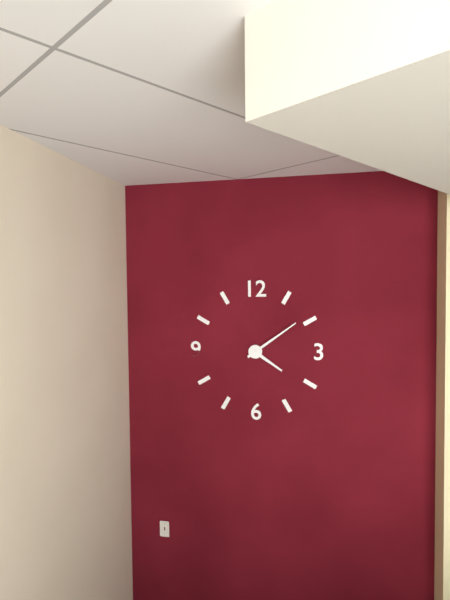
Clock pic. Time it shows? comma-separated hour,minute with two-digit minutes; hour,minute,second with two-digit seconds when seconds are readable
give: 4,09
